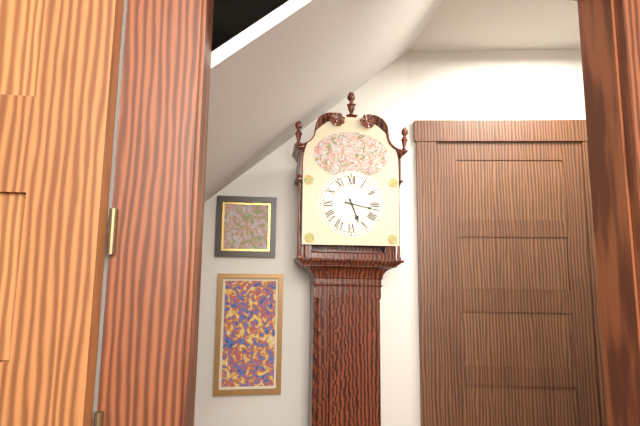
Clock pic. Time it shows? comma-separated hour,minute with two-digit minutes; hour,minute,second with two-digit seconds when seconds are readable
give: 5,17
